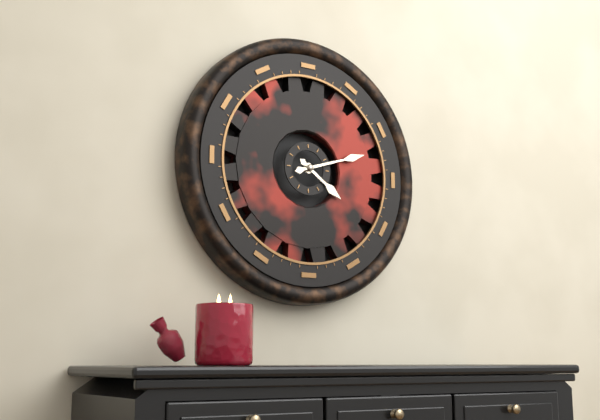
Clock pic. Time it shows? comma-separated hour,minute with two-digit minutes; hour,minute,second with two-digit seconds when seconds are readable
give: 4,12
